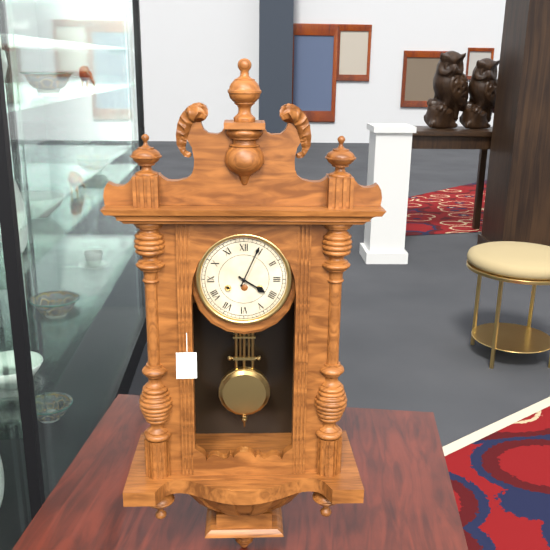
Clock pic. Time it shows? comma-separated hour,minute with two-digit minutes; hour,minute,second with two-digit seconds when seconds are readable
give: 4,04
